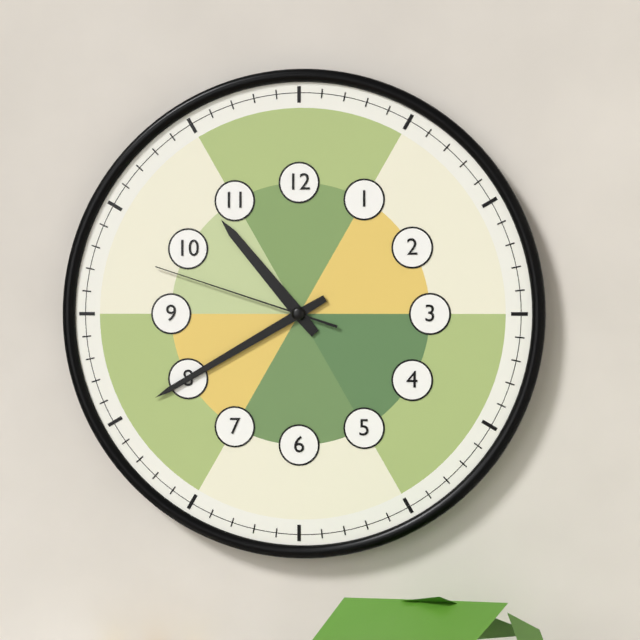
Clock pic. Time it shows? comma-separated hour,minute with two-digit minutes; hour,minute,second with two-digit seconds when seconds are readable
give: 10,40,48
